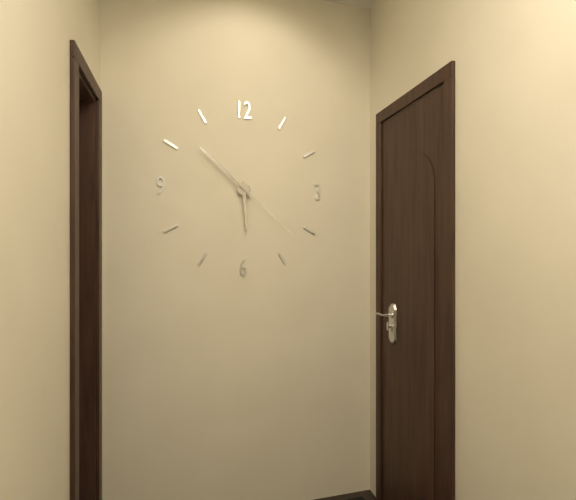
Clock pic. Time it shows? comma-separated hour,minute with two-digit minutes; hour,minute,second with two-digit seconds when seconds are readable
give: 5,52,22
